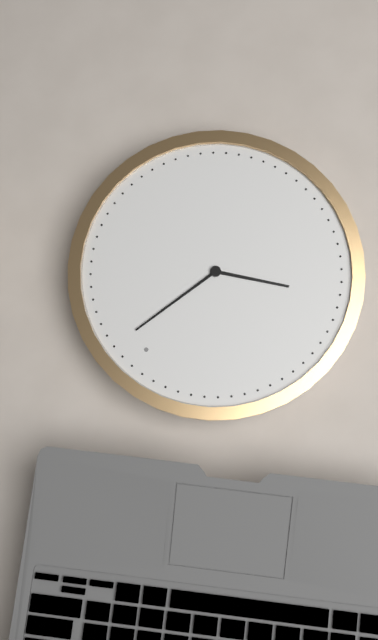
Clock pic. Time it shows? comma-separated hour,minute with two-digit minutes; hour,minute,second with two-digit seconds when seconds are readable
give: 8,02
